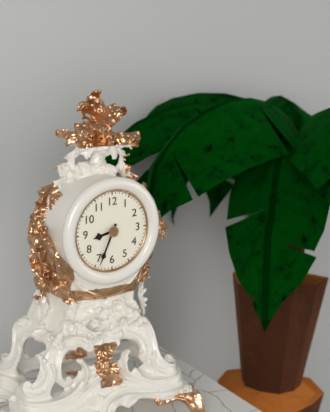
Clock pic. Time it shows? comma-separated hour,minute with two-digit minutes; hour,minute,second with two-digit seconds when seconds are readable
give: 8,34
